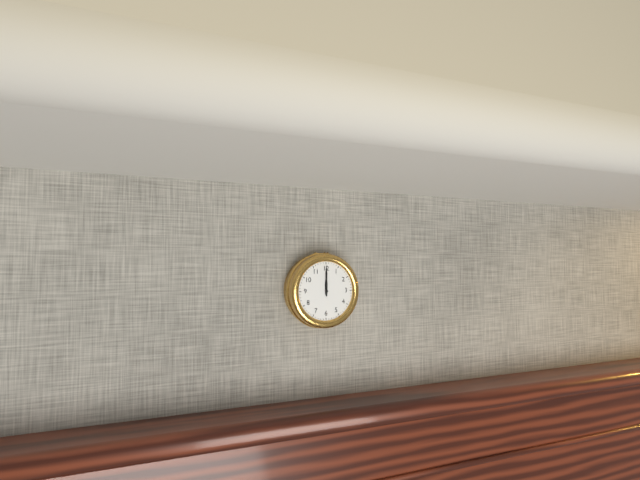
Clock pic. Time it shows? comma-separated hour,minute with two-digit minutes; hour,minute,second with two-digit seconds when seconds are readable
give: 12,00
